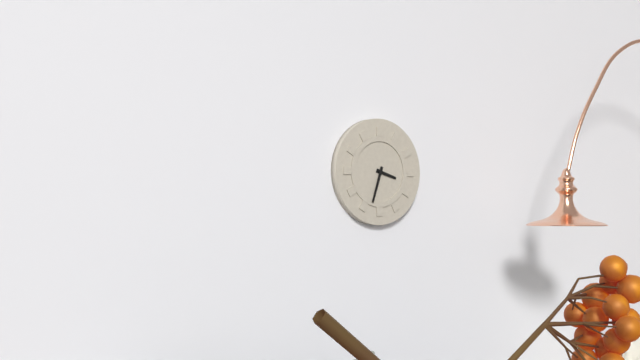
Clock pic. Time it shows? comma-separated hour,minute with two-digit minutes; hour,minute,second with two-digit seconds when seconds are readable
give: 3,33
